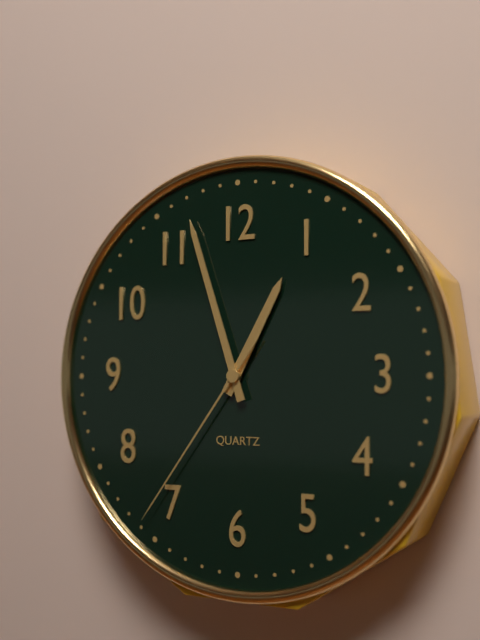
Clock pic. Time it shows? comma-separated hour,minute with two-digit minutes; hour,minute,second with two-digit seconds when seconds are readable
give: 12,57,36
